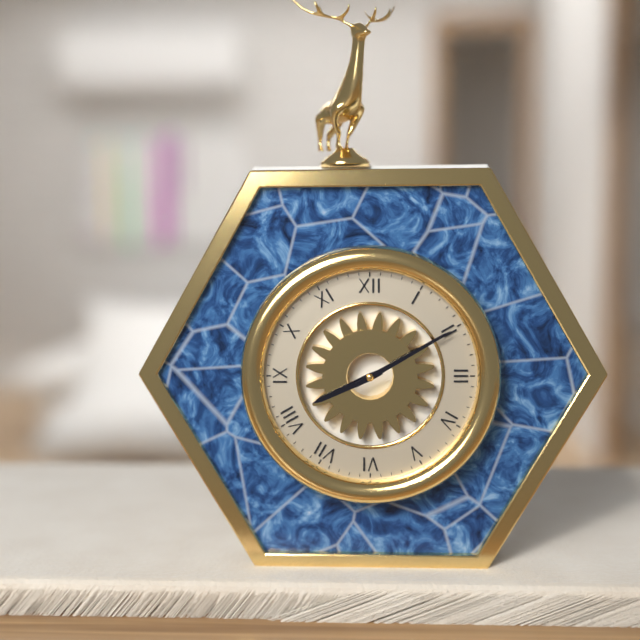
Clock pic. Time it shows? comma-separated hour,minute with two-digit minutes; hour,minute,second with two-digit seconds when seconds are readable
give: 8,10
